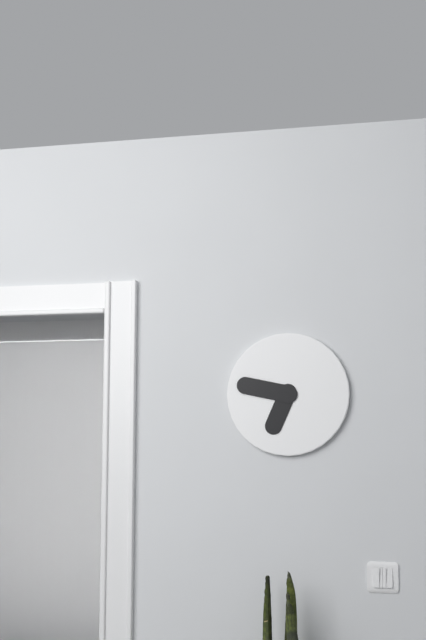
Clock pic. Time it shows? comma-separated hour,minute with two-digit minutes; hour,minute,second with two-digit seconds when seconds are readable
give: 6,47
